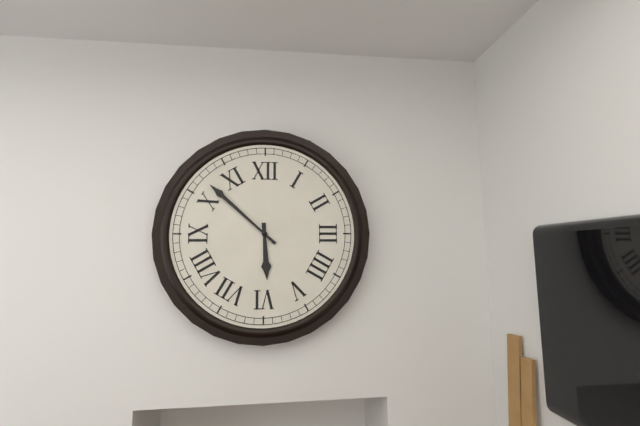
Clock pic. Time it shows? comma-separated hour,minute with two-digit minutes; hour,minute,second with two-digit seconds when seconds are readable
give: 5,52
